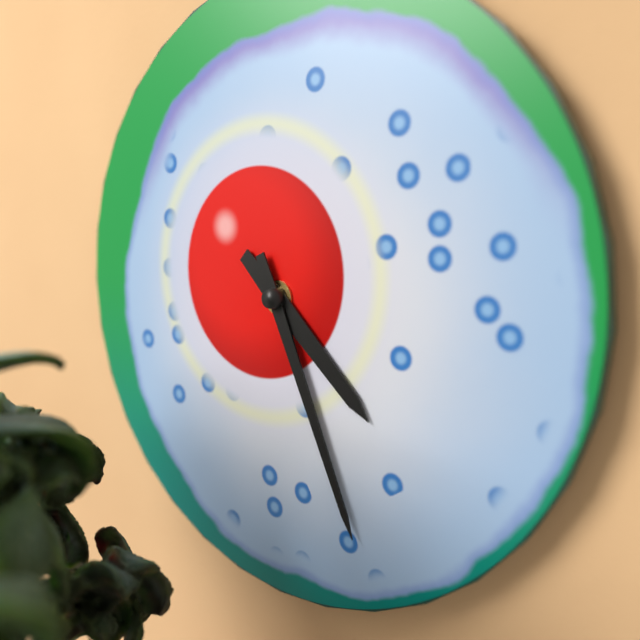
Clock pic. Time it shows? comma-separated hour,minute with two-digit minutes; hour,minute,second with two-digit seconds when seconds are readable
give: 4,26
